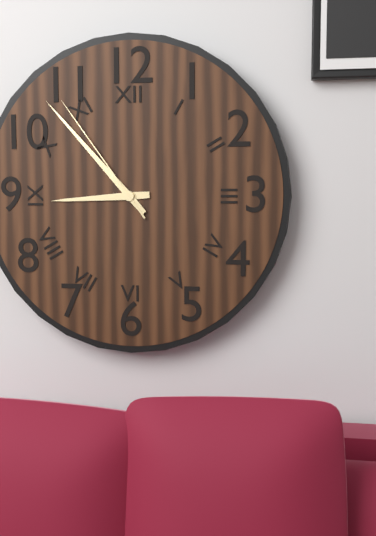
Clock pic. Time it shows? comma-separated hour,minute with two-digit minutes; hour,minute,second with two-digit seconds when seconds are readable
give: 8,53,54
